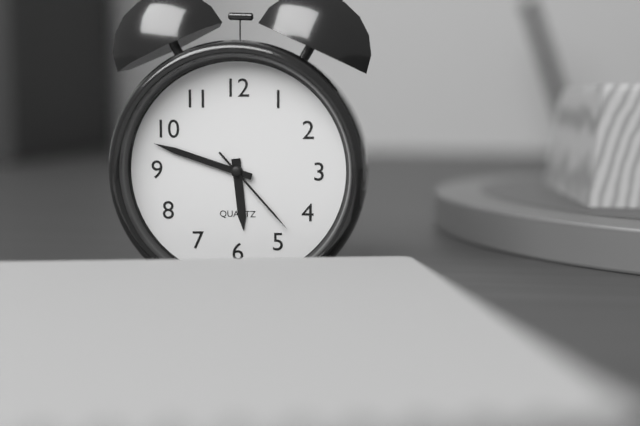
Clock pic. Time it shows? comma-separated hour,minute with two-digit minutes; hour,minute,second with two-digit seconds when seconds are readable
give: 5,48,23
